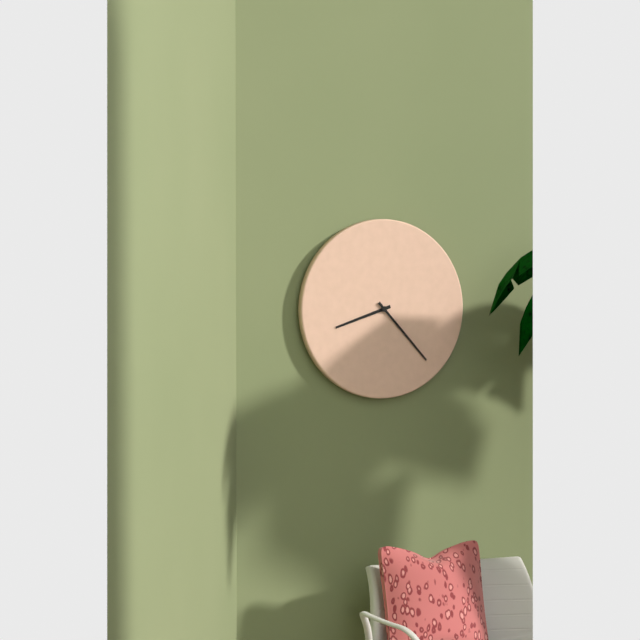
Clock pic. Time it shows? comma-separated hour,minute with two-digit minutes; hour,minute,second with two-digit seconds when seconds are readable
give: 8,23
